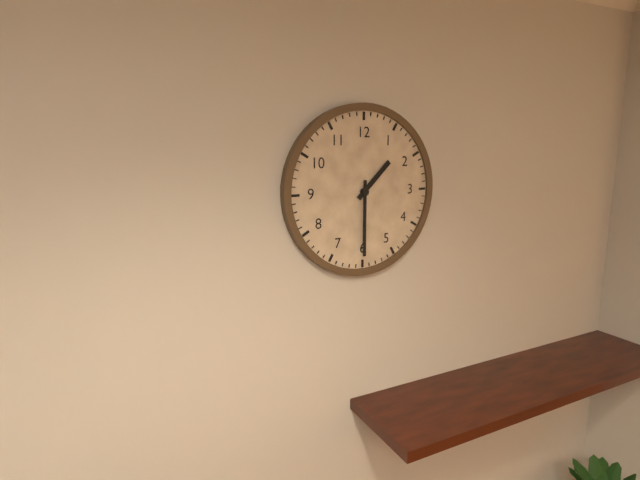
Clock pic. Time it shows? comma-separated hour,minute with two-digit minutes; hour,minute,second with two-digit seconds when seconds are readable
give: 1,30
